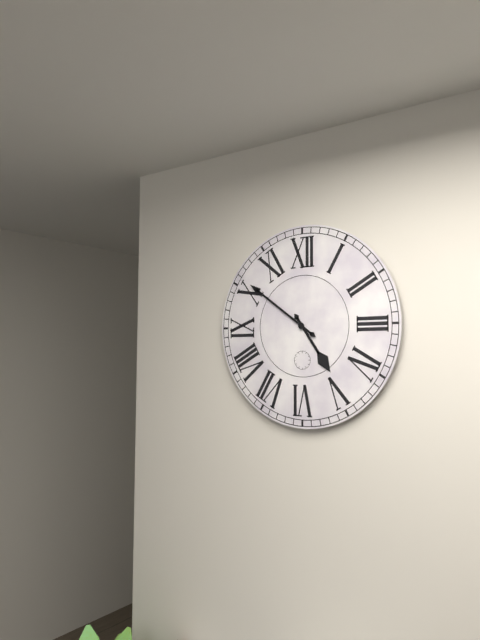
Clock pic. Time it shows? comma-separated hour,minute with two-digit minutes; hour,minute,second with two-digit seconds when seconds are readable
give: 4,51
